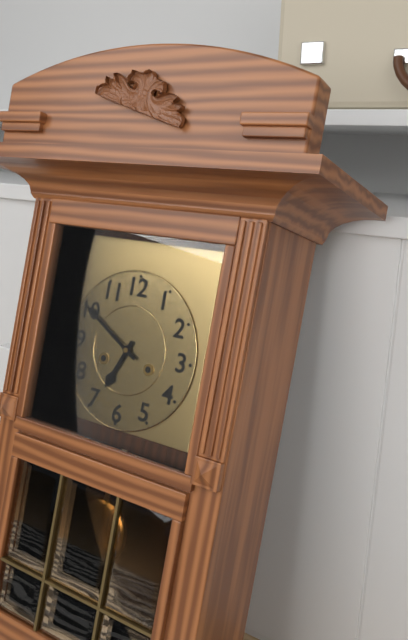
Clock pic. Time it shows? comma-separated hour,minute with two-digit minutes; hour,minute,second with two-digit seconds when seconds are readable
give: 6,50
